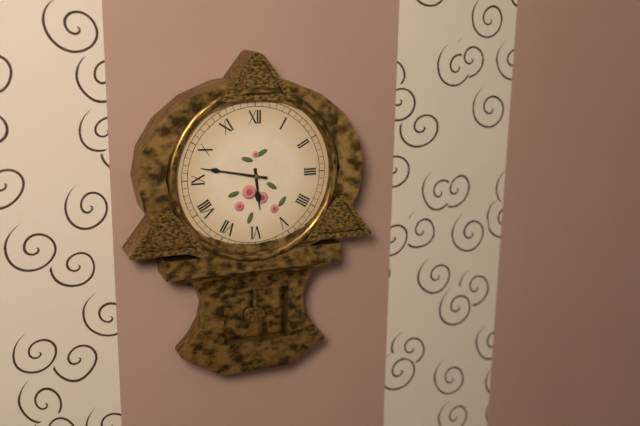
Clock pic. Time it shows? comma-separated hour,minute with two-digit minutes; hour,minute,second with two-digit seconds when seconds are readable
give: 5,47
